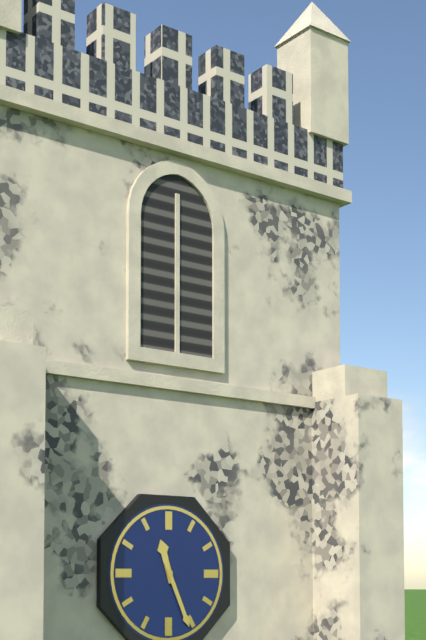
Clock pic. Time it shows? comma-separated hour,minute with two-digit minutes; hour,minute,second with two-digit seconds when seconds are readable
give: 11,26
